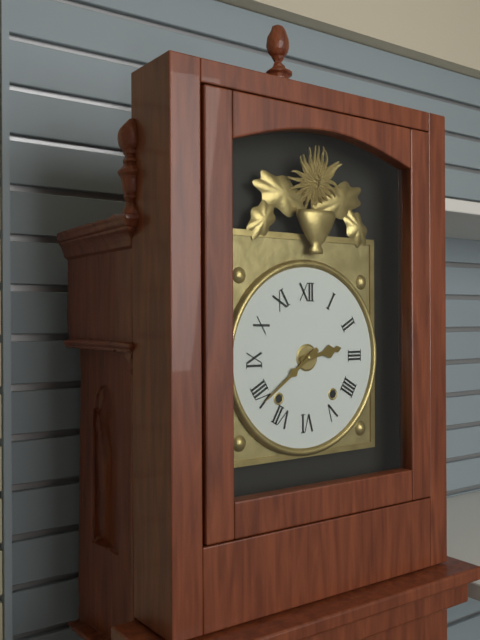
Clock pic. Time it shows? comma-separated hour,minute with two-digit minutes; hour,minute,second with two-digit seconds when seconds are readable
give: 2,39
